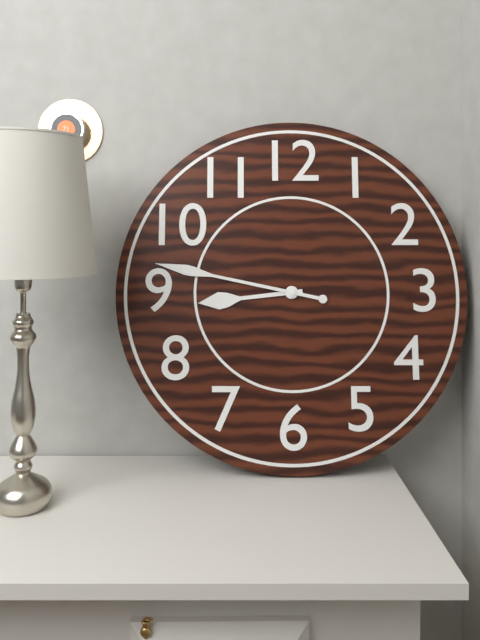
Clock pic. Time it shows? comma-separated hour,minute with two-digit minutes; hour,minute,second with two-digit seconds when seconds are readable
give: 8,47
